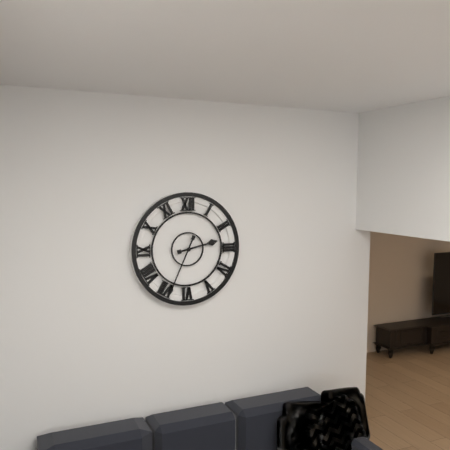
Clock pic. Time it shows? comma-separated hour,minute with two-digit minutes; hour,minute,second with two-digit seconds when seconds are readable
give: 2,34
